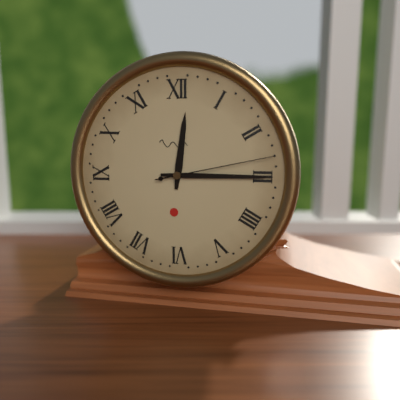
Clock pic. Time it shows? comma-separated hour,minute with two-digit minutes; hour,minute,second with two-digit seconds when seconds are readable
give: 12,15,13
